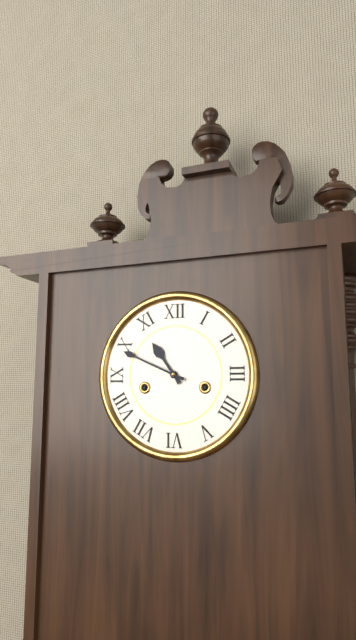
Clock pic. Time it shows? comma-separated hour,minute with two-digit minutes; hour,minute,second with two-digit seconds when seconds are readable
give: 10,49
